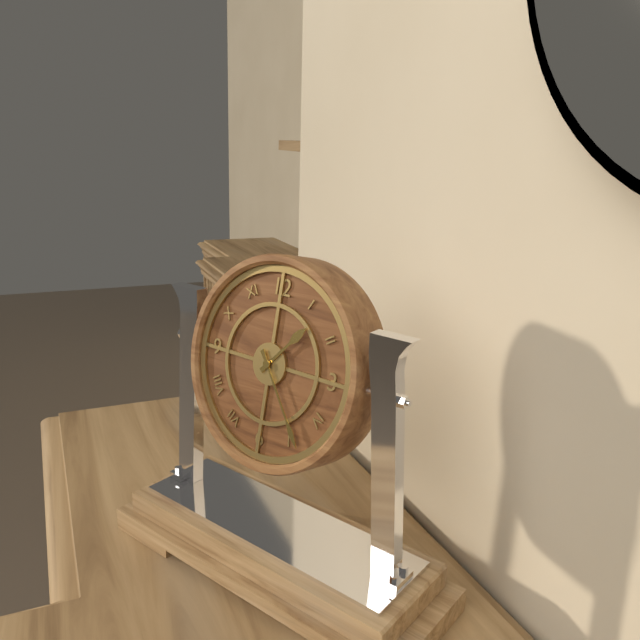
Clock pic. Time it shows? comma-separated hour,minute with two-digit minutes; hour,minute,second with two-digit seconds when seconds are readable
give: 1,24
